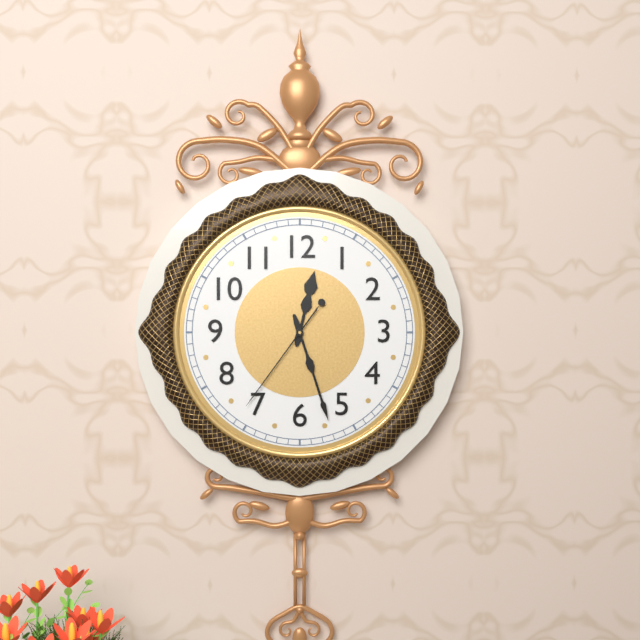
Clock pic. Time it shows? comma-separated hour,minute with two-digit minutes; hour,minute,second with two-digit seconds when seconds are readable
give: 12,27,36
